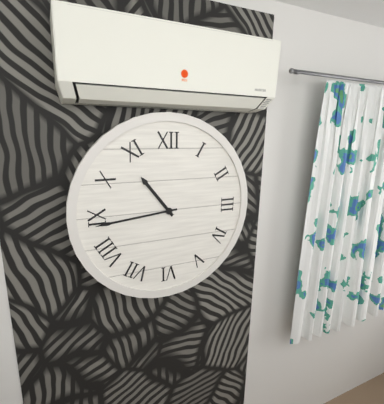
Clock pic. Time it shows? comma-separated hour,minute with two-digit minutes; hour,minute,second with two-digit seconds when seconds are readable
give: 10,44
